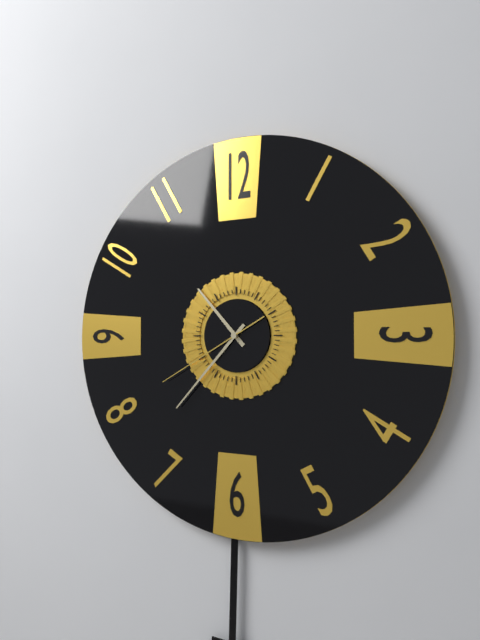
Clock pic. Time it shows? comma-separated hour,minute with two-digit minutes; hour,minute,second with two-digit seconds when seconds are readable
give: 10,37,40
